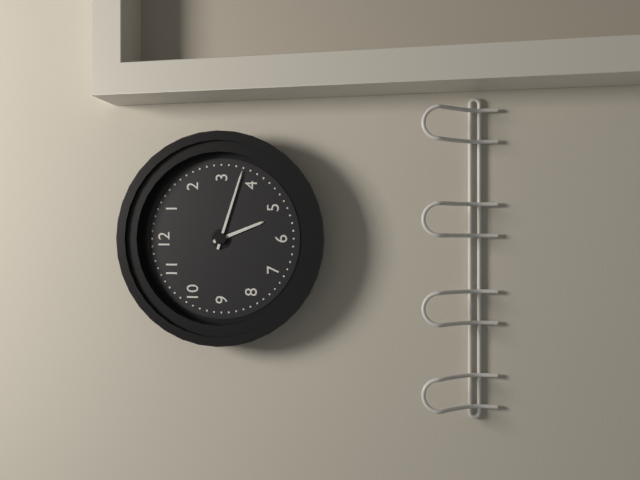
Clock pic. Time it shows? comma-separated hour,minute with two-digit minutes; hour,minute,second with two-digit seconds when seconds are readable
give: 5,18
